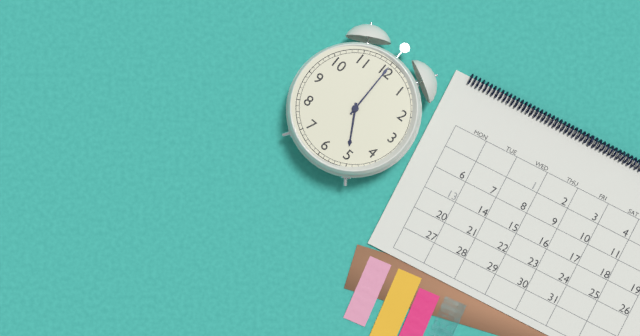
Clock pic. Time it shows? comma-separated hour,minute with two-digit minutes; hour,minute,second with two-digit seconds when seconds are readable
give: 5,00
